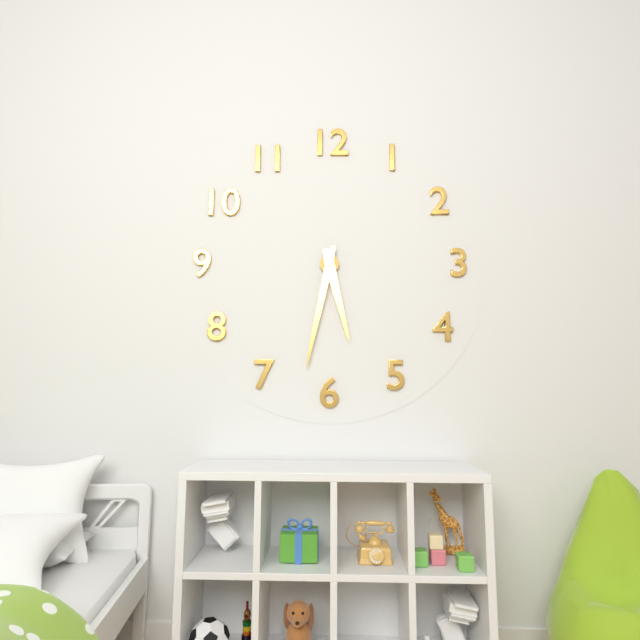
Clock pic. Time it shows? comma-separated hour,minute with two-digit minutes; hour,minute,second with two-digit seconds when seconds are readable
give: 5,32
